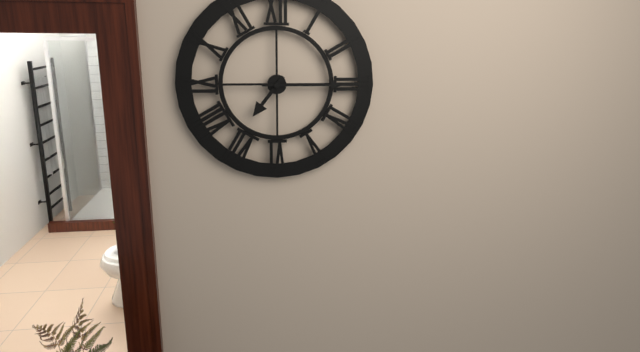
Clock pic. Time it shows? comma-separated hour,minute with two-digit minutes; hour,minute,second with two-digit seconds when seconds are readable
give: 7,15
